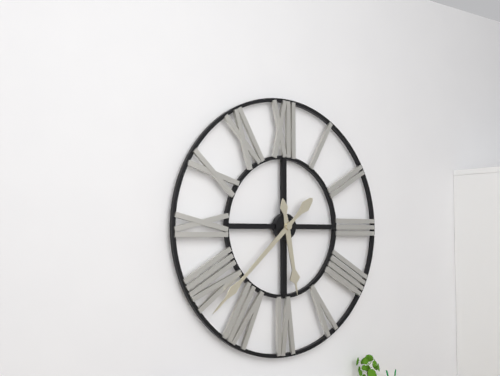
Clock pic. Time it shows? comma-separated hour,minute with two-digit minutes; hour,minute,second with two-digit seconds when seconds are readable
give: 5,38
